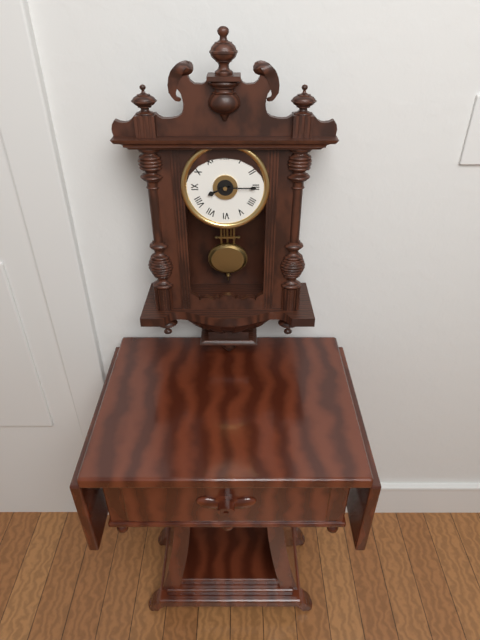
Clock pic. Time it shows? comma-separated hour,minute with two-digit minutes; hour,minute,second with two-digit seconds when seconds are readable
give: 8,15
